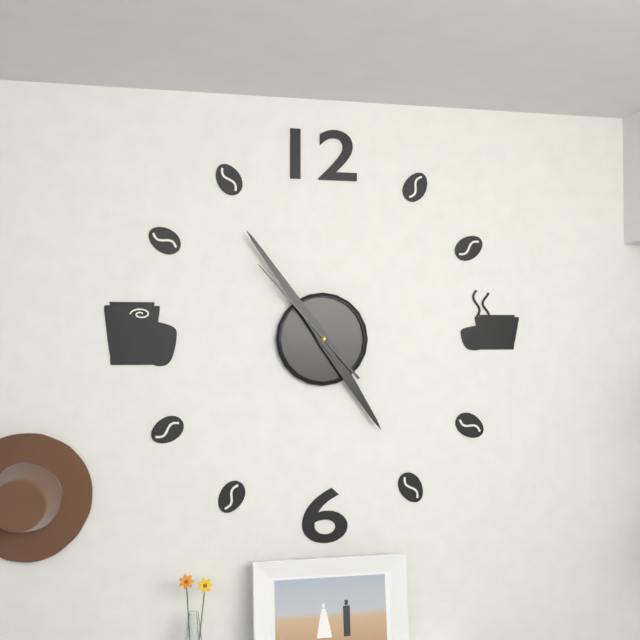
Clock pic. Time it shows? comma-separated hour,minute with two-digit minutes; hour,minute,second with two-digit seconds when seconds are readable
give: 4,54,53
